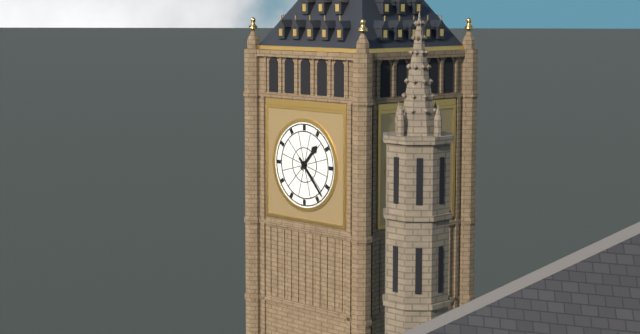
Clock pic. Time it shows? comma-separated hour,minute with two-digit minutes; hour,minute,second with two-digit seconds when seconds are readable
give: 1,23
